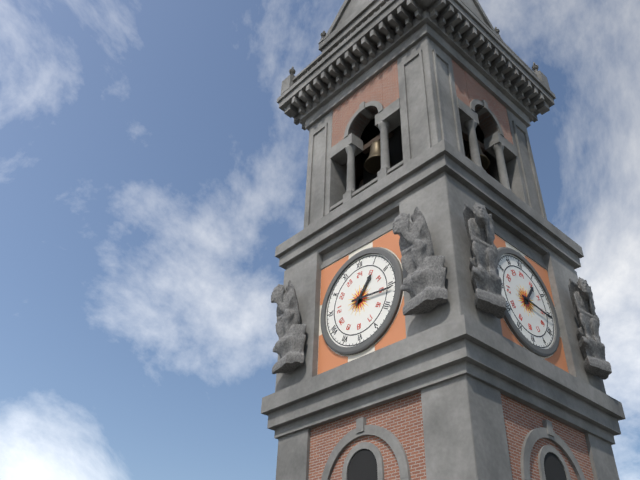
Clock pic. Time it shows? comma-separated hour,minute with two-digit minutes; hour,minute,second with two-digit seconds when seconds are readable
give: 1,16
